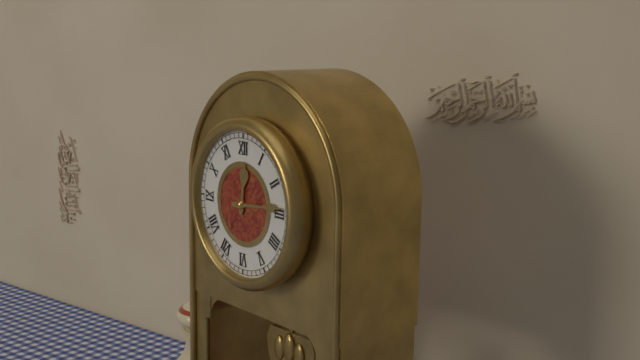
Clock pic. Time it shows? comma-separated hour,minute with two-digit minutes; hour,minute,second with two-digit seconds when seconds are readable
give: 12,14
